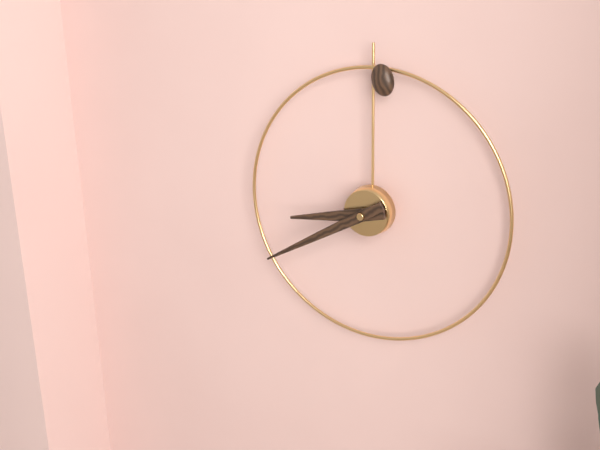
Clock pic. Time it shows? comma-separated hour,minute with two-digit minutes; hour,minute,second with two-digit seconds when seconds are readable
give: 8,40
